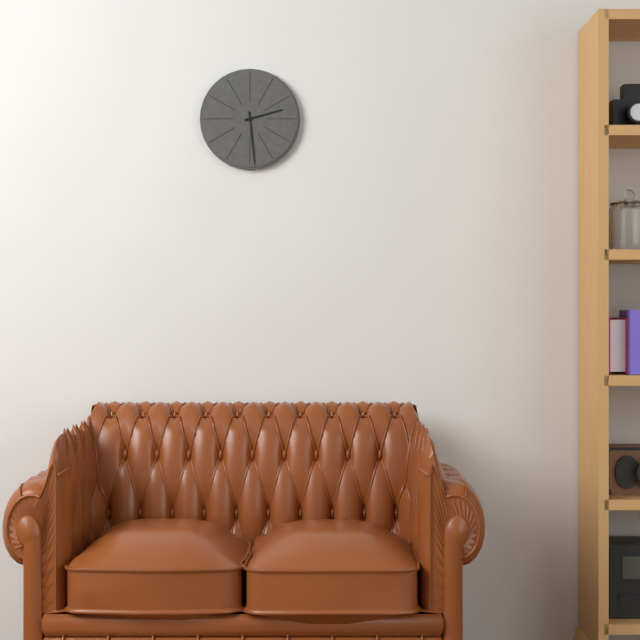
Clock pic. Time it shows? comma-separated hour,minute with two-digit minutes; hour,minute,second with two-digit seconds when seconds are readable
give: 2,29
